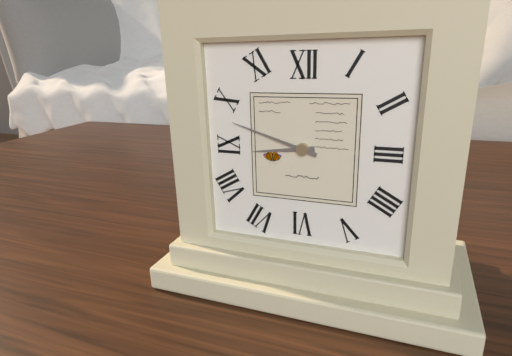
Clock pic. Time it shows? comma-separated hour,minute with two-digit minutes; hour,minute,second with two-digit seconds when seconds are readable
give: 8,48
